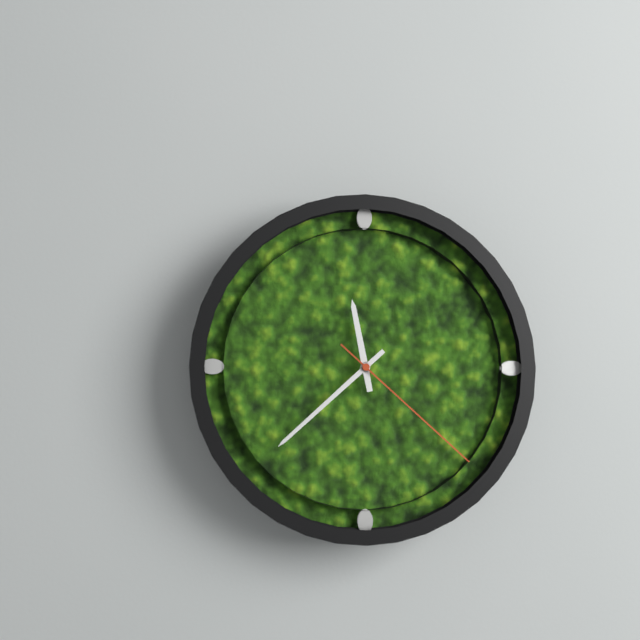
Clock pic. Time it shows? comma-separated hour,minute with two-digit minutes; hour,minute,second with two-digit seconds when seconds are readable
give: 11,38,22
